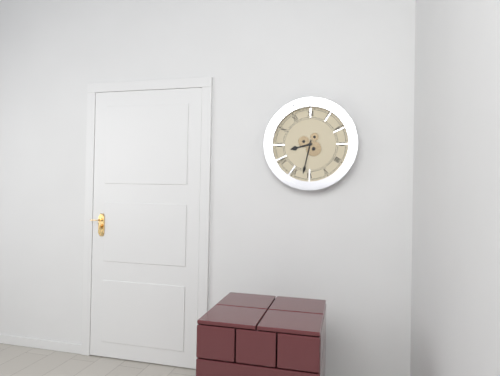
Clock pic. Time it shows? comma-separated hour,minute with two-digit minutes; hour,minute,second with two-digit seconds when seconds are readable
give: 8,32
